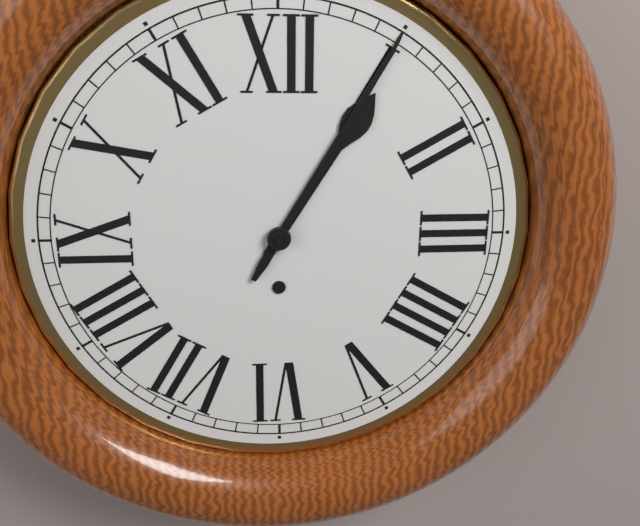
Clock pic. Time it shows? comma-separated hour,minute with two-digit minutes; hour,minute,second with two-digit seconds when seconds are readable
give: 1,05
